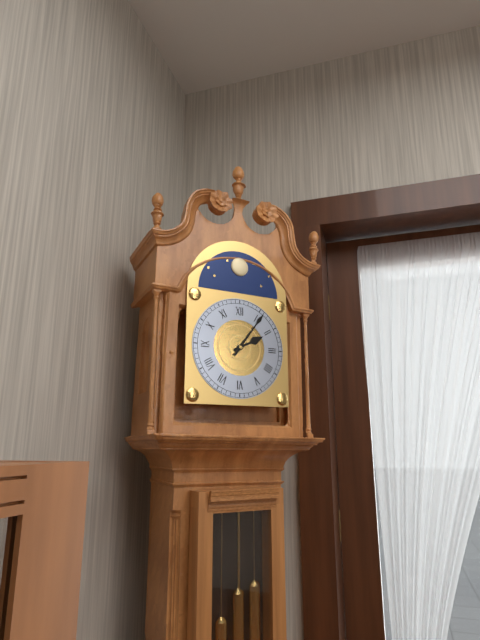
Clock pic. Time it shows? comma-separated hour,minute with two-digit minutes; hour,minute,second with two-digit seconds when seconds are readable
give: 2,06
